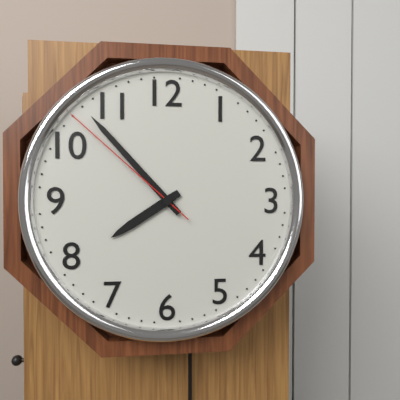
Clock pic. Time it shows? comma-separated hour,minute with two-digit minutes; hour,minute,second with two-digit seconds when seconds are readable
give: 7,53,52
